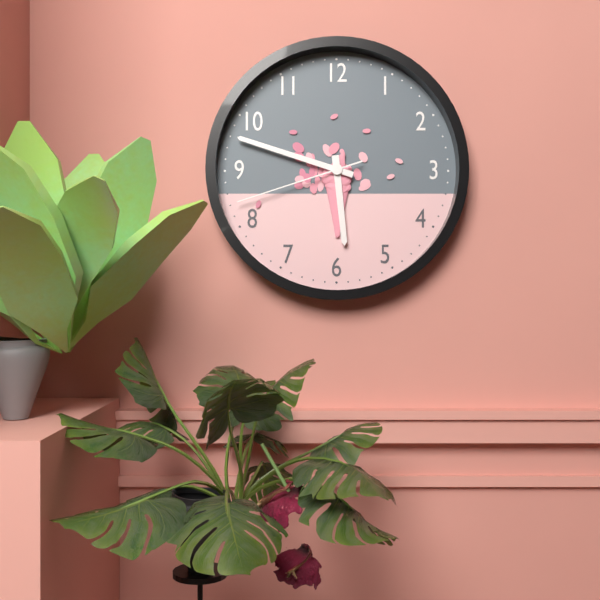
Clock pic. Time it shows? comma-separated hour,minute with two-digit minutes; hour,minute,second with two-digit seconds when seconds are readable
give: 5,48,42
